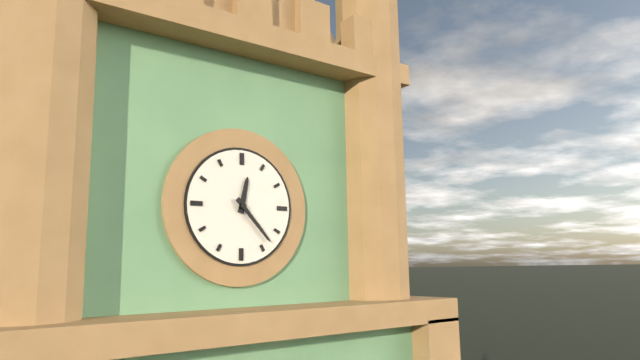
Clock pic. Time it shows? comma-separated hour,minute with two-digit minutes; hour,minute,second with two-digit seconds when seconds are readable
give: 12,23
